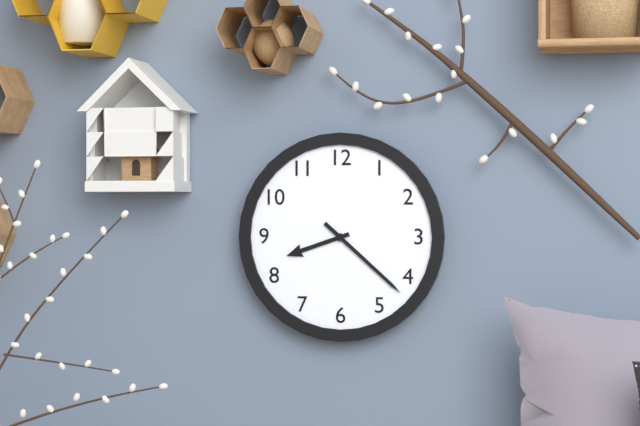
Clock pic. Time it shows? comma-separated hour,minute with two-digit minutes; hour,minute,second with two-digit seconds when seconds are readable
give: 8,22
